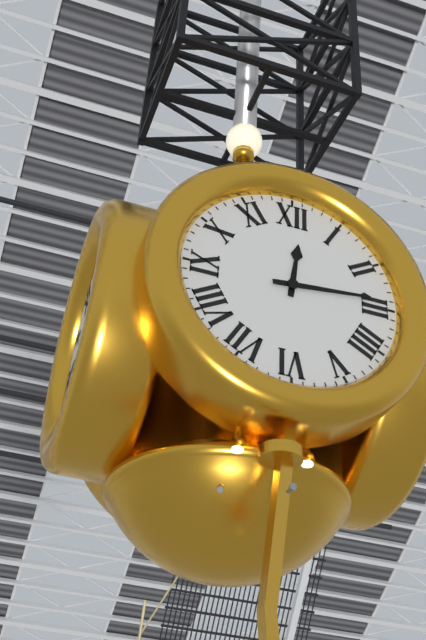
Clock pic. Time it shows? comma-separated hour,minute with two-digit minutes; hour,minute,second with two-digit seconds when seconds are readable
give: 12,14
